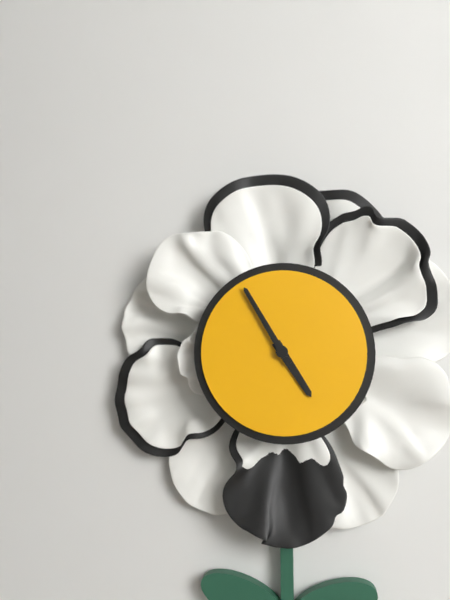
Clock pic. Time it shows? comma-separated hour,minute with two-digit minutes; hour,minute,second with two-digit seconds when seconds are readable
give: 4,55
